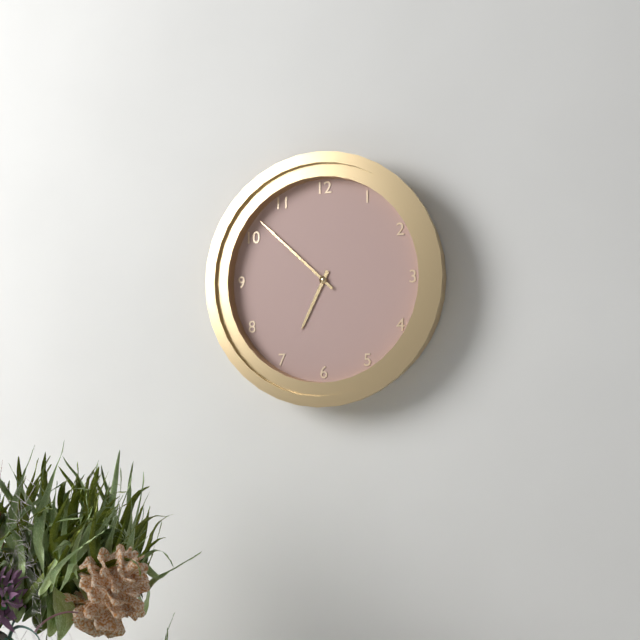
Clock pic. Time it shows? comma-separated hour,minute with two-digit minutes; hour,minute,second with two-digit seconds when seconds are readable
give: 6,52
